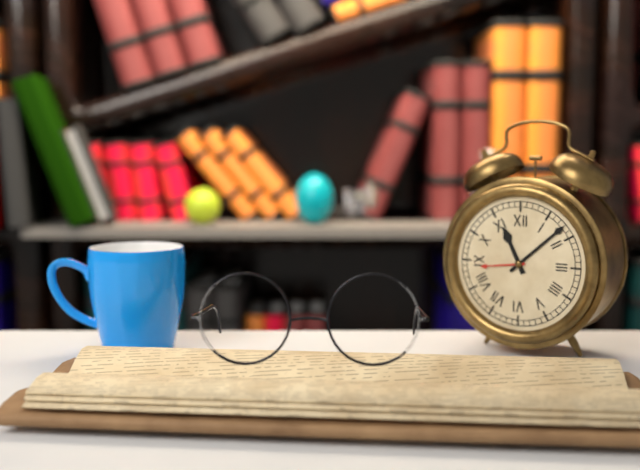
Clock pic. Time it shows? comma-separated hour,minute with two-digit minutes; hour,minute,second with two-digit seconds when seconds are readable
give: 11,08
